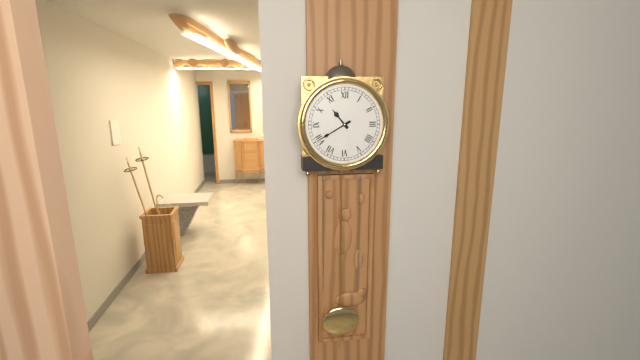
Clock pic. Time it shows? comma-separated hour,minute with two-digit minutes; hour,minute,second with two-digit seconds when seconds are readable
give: 10,40
